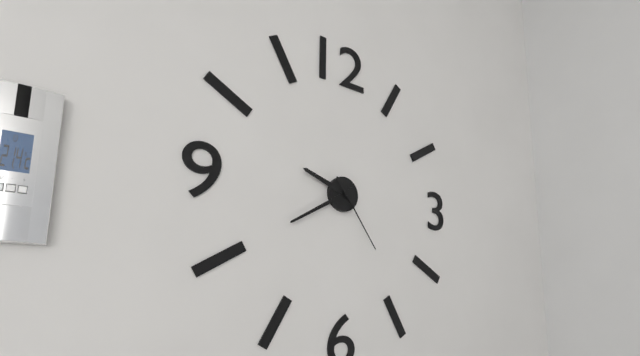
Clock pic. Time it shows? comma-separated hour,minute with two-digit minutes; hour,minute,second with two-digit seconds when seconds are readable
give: 9,40,24
